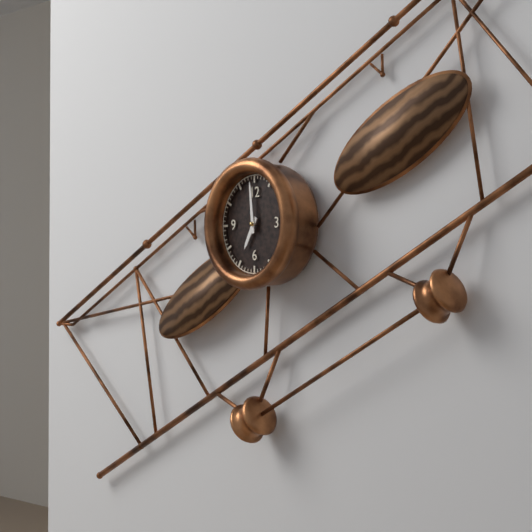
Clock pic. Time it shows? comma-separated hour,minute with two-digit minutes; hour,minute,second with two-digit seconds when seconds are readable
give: 6,59
